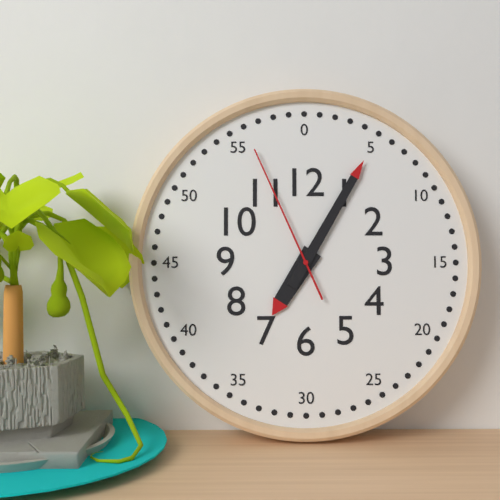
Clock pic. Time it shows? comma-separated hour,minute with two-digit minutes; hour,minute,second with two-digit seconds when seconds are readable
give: 7,05,56
